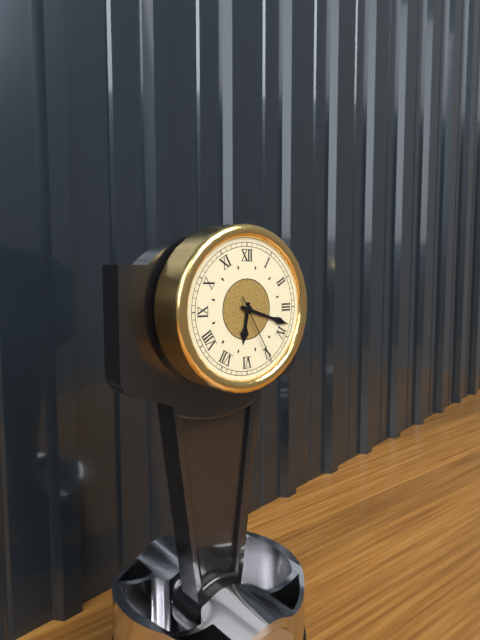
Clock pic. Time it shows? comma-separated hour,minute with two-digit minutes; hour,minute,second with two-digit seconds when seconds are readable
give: 6,18,25
